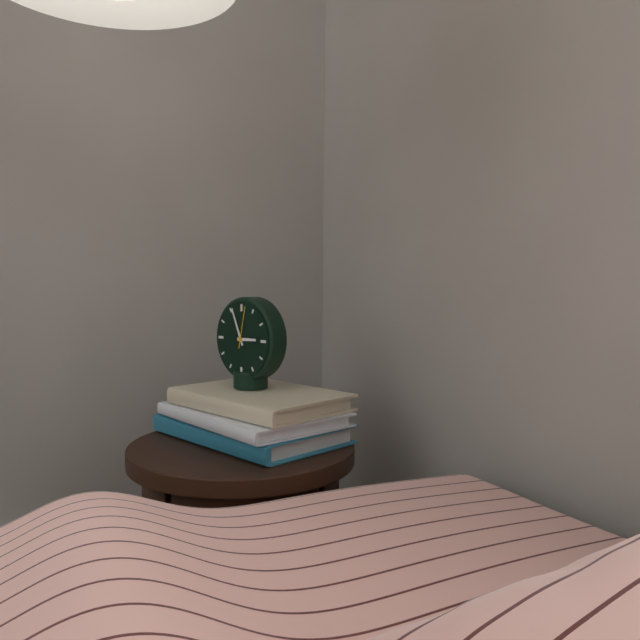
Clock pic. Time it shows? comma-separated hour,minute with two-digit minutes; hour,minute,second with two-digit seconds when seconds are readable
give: 2,56
